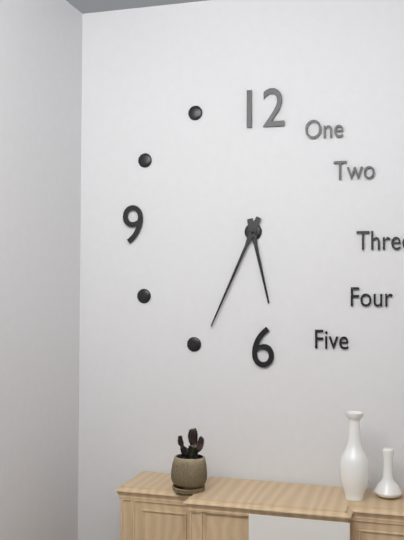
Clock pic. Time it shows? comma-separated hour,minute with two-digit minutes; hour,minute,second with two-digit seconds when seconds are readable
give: 5,34
